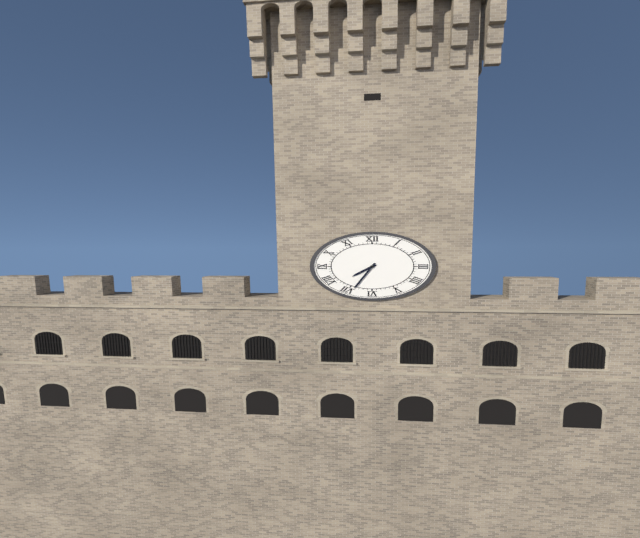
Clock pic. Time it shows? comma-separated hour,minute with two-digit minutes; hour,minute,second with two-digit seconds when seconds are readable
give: 7,34
